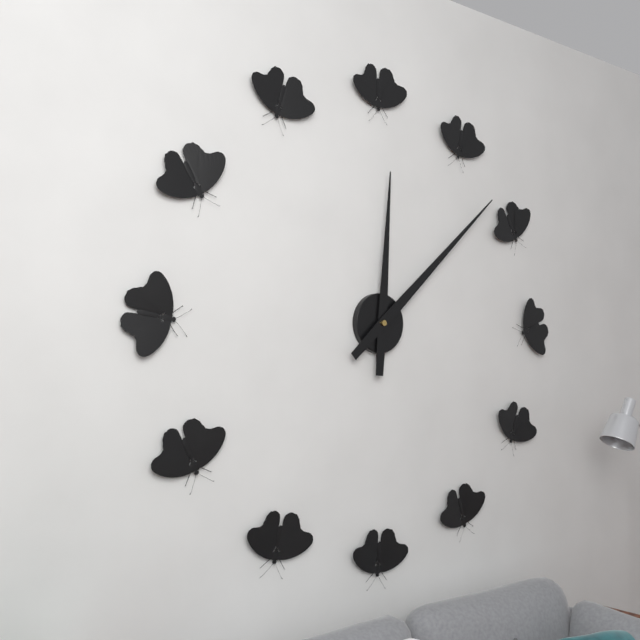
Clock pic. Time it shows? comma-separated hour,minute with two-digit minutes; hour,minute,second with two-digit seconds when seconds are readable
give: 12,08
